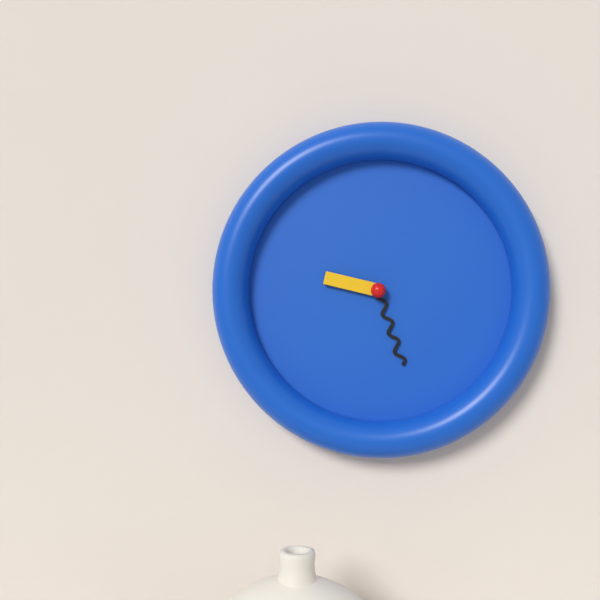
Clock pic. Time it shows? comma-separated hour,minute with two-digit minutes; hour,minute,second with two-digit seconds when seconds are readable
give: 9,27
